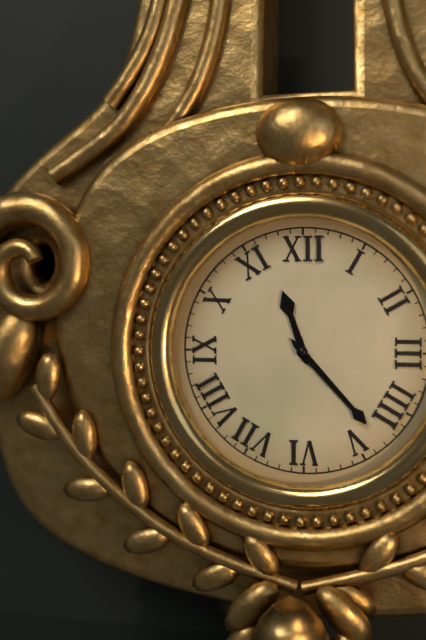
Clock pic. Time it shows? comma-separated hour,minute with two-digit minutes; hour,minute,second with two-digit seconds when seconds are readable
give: 11,23
